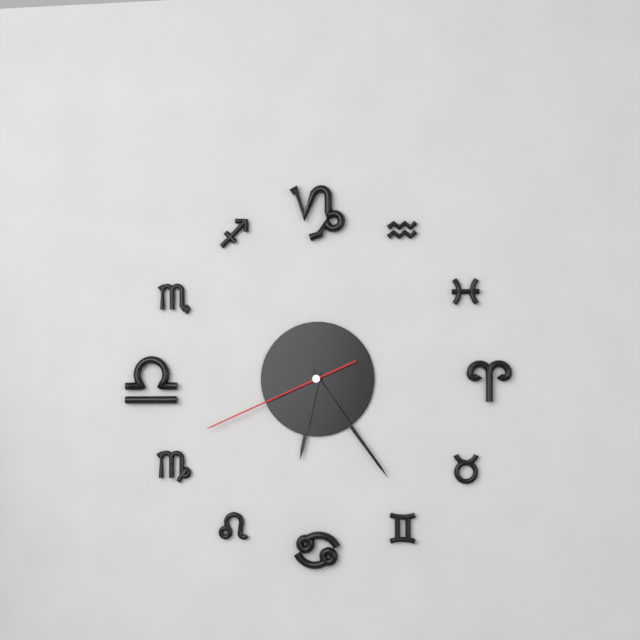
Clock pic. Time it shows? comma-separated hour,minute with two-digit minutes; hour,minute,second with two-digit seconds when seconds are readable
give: 6,24,41
